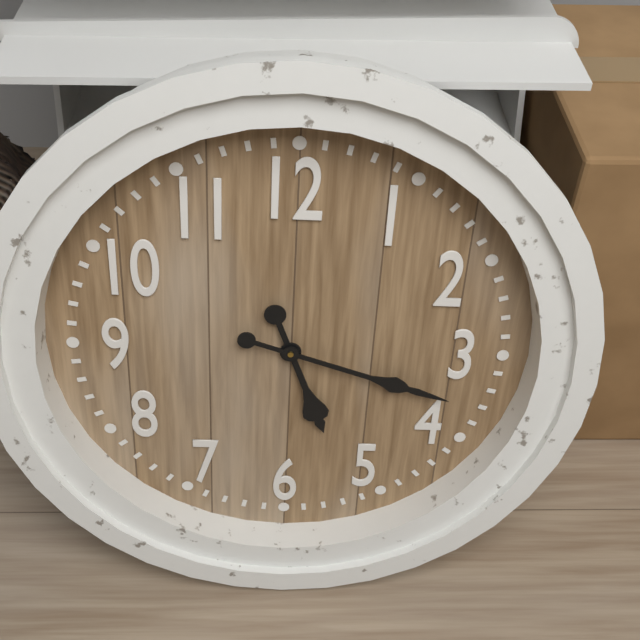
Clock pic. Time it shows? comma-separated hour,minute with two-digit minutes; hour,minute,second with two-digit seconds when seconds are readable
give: 5,18
